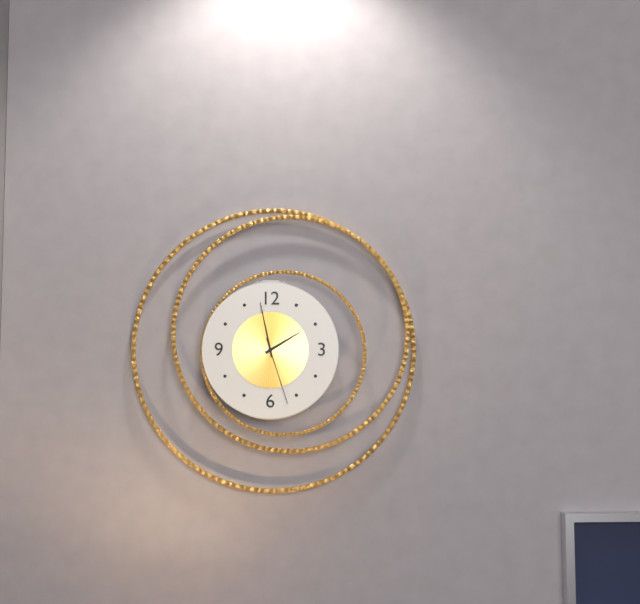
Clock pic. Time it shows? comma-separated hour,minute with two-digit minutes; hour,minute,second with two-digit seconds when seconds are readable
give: 1,58,27
